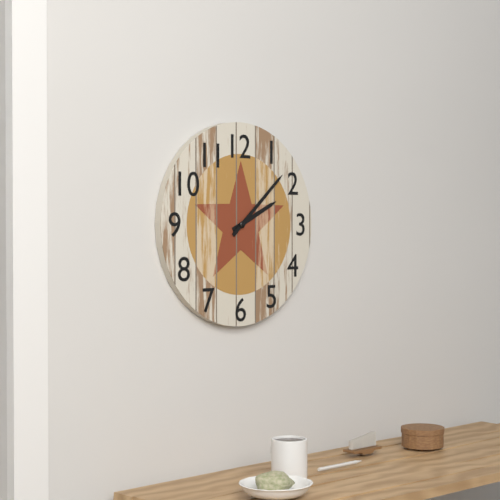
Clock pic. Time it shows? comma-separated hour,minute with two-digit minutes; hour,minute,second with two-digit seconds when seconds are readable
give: 2,08
